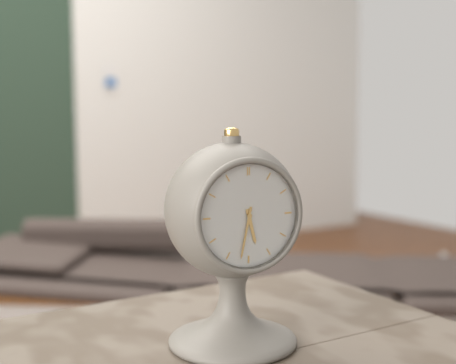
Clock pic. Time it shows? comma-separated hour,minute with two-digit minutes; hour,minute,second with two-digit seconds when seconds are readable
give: 5,32
